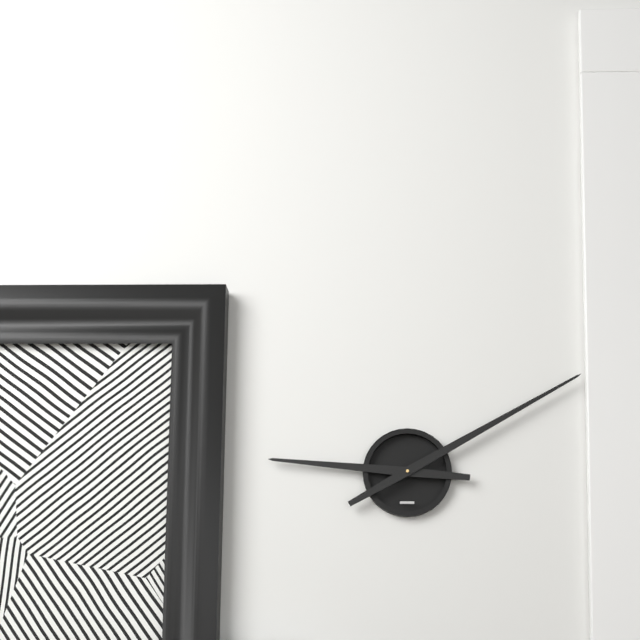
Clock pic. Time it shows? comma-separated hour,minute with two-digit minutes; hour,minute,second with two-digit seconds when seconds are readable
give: 9,10
